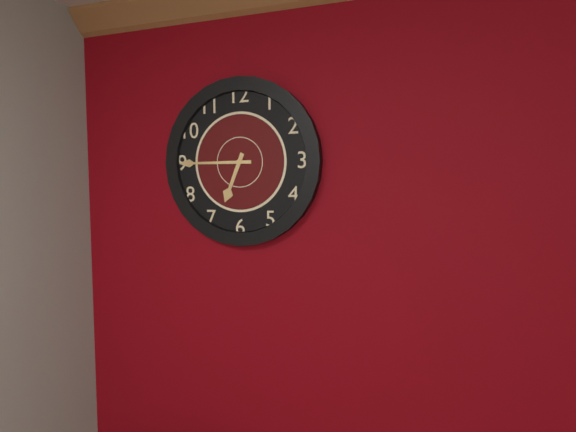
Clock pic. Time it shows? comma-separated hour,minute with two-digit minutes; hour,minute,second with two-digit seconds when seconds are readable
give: 6,45
